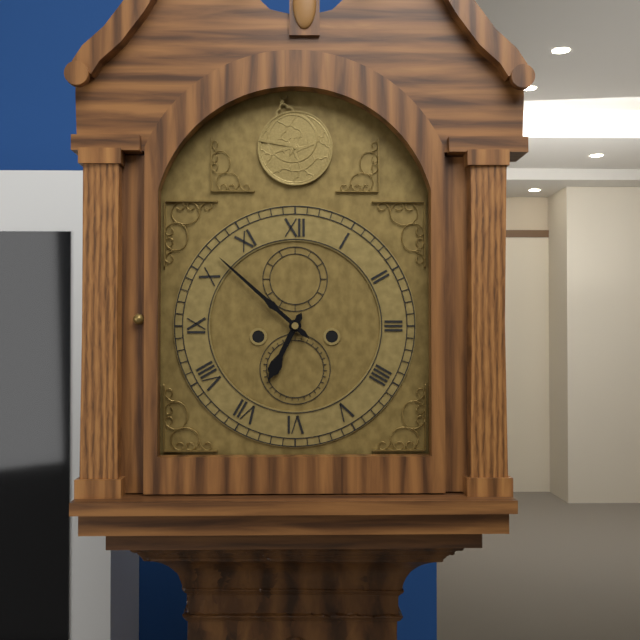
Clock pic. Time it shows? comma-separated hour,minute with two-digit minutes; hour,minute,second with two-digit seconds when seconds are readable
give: 6,52
